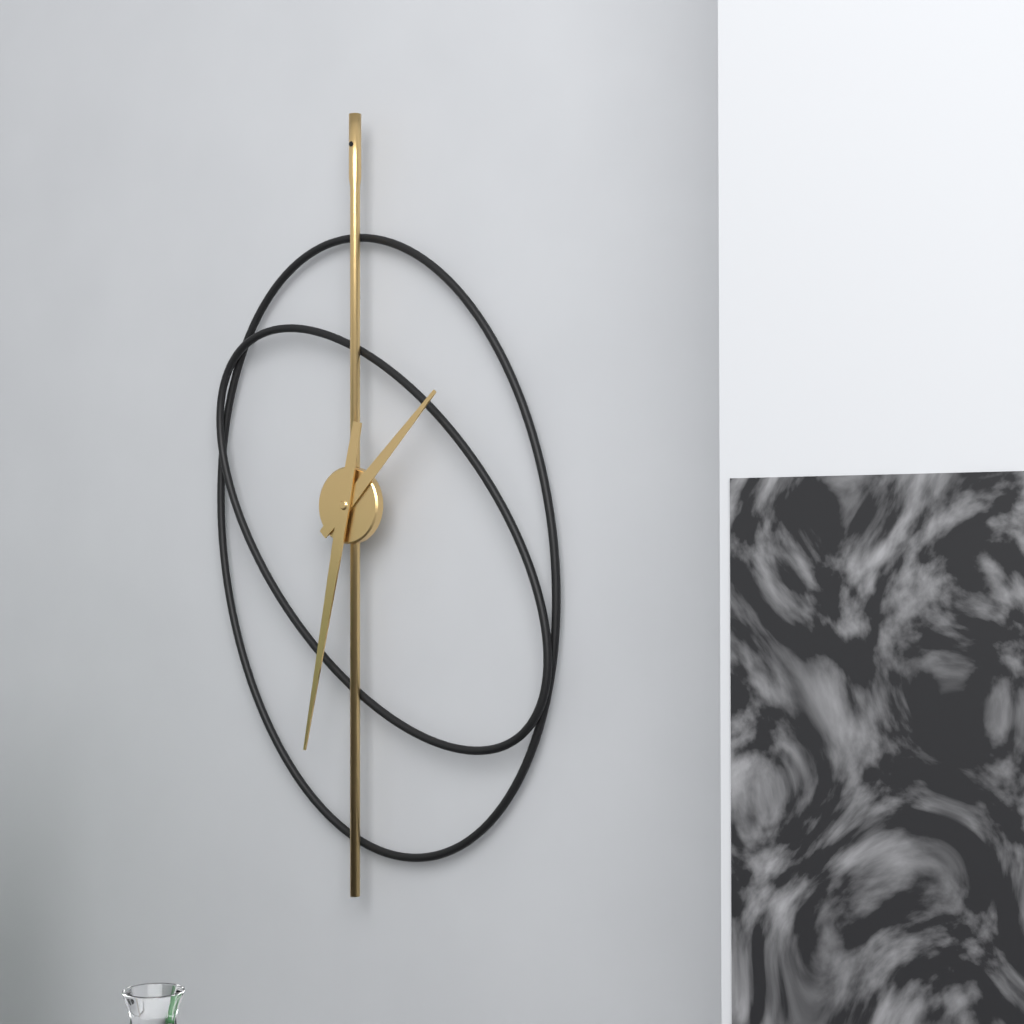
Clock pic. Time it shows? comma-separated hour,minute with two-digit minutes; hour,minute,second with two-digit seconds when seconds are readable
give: 1,32
